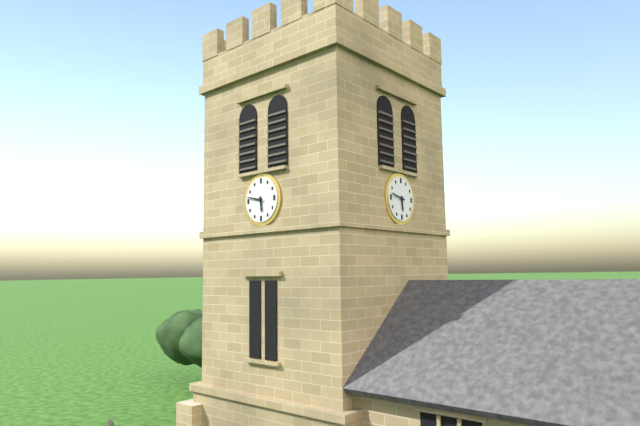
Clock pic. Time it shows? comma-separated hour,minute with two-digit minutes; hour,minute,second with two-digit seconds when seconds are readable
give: 5,47
